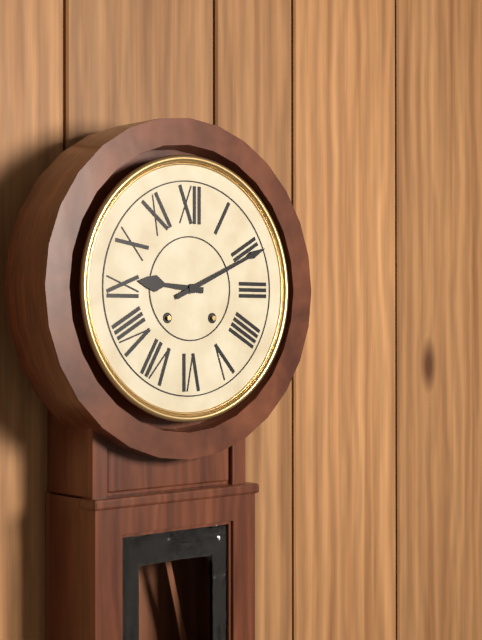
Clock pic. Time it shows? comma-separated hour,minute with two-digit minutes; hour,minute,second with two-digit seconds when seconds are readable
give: 9,11
